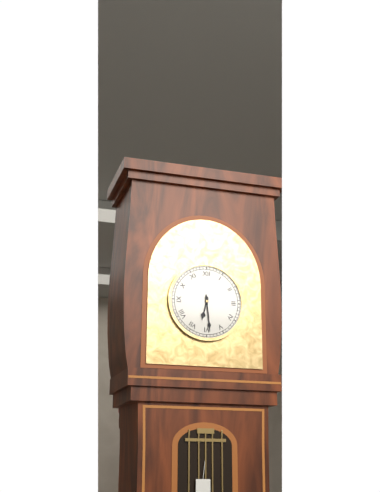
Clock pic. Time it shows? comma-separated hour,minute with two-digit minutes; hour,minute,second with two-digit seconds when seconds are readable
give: 6,29
